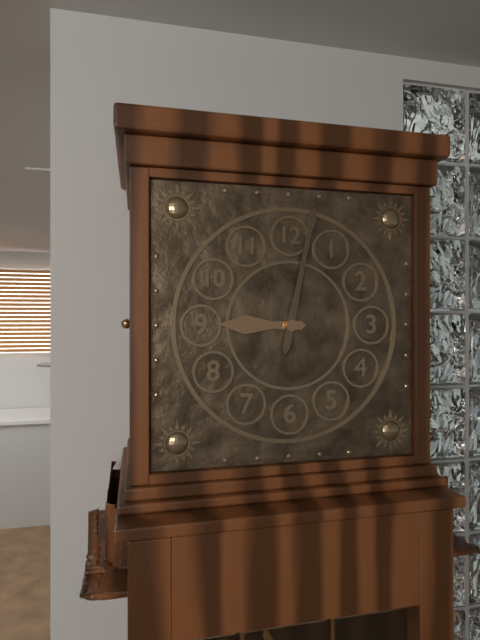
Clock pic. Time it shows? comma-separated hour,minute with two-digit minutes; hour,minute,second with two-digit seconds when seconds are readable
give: 9,02
